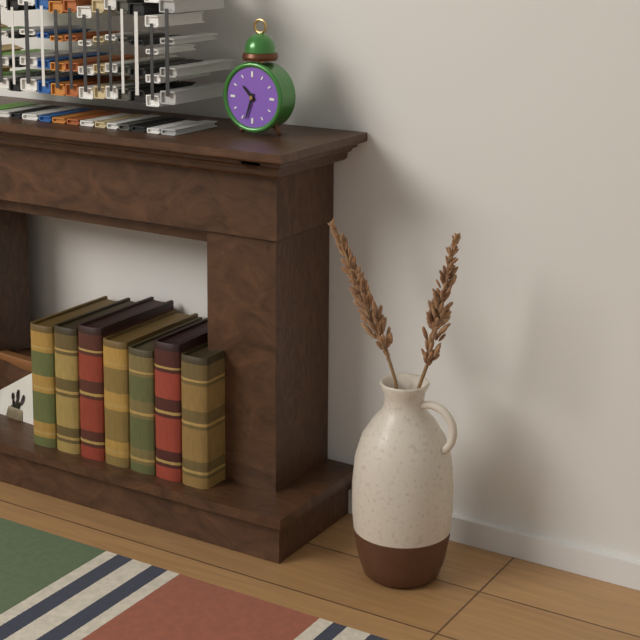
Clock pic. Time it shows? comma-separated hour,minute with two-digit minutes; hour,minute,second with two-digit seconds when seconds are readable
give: 10,33
